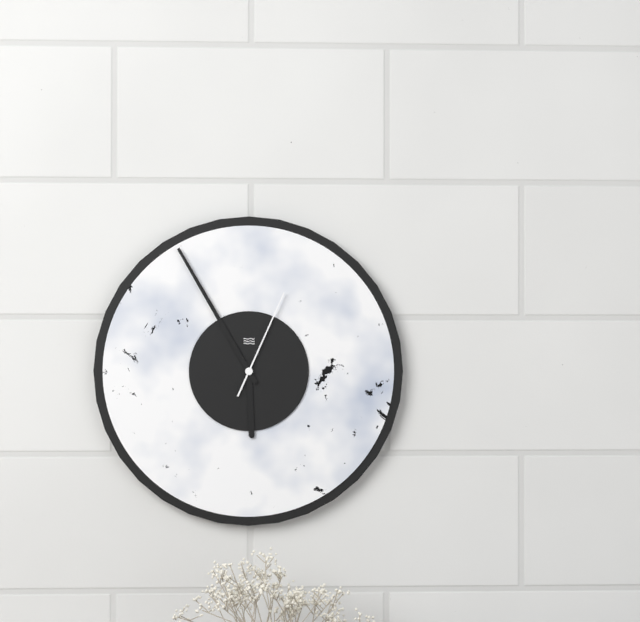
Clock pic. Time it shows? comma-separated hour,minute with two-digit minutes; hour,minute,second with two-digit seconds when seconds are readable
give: 5,55,04
